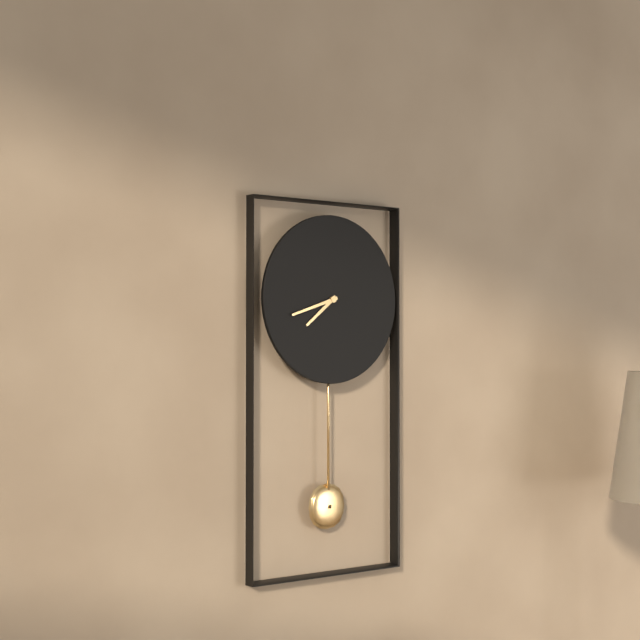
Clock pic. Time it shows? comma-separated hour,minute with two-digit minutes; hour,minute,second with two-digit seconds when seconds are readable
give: 7,42
